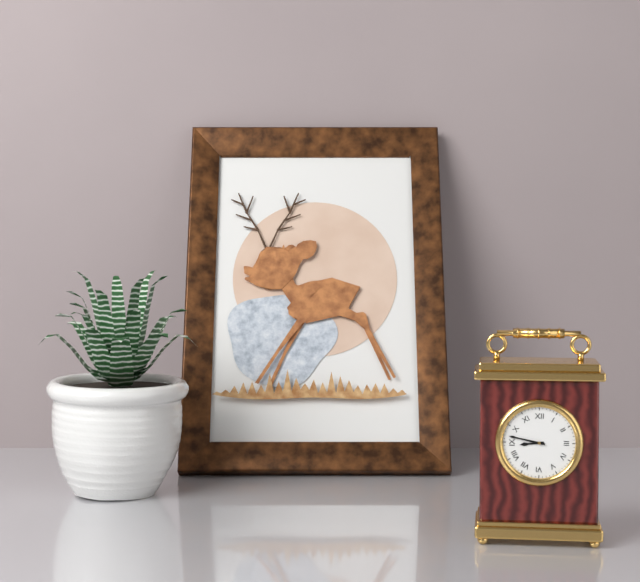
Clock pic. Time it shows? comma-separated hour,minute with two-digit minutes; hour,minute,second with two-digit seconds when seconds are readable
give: 8,47
